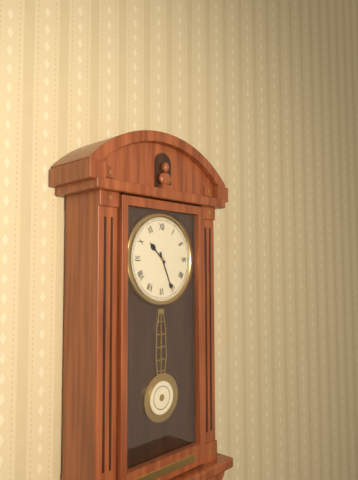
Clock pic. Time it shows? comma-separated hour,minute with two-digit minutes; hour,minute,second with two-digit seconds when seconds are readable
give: 10,26
